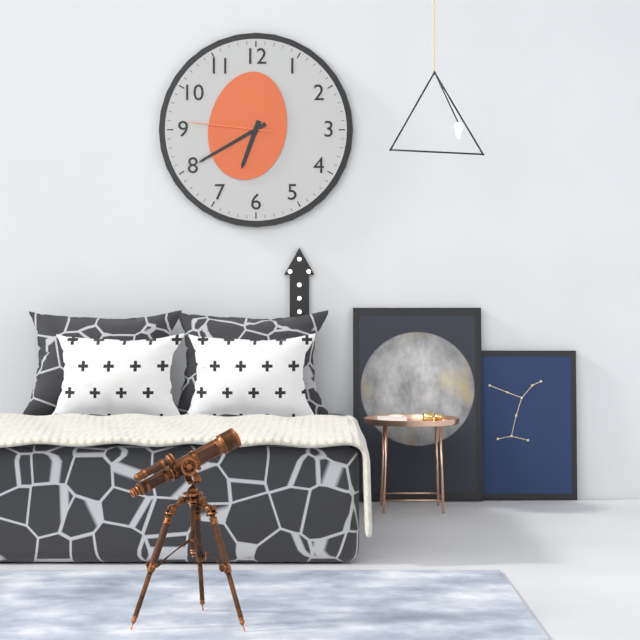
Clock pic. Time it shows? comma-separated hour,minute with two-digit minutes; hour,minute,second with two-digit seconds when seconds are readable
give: 6,40,46
